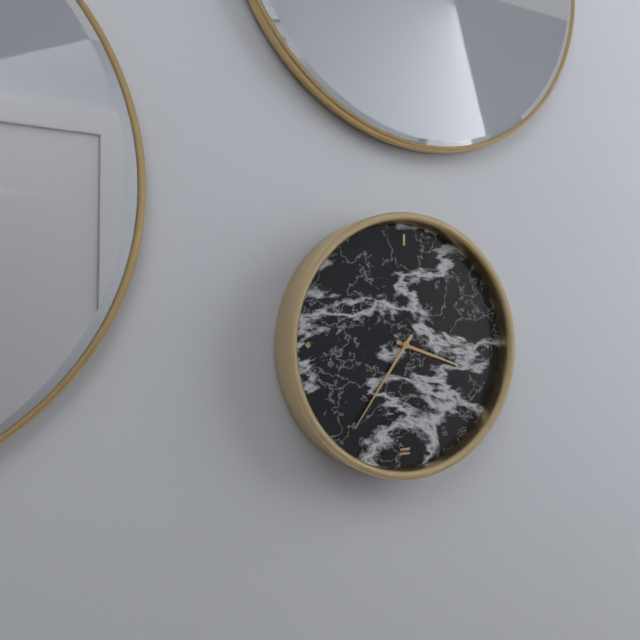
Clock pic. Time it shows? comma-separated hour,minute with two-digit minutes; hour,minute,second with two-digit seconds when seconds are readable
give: 3,36
